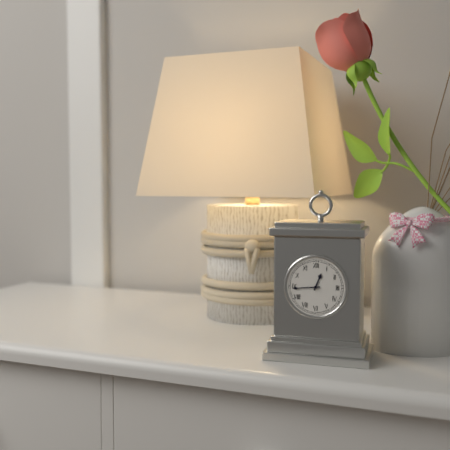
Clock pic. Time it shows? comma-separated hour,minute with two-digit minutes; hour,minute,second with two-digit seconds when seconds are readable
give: 12,44
